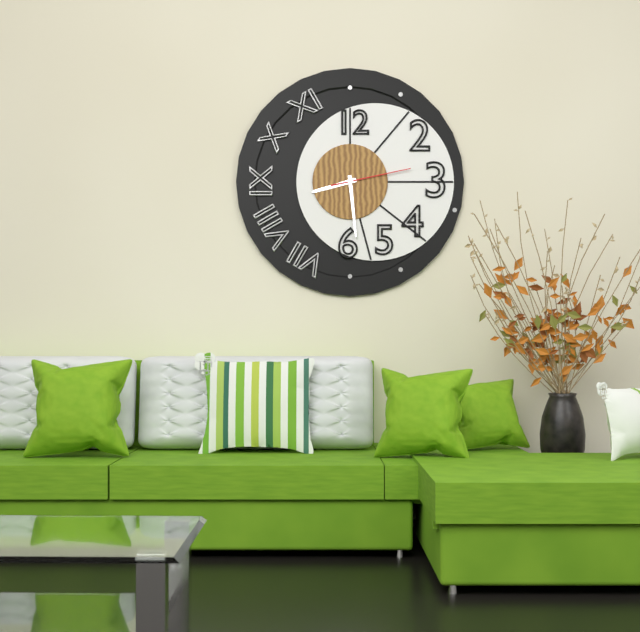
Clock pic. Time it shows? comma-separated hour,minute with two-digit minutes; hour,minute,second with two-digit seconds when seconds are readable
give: 8,29,13
